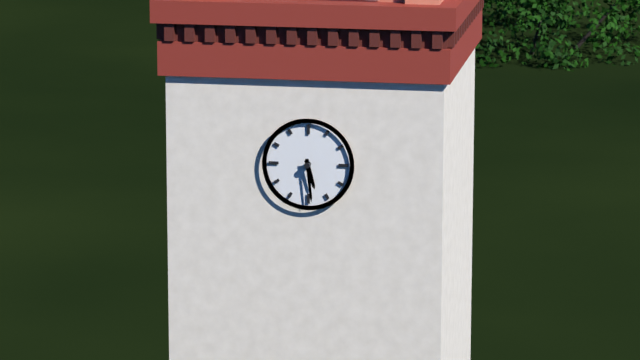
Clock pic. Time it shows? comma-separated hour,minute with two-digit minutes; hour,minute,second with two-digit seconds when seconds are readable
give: 5,29
